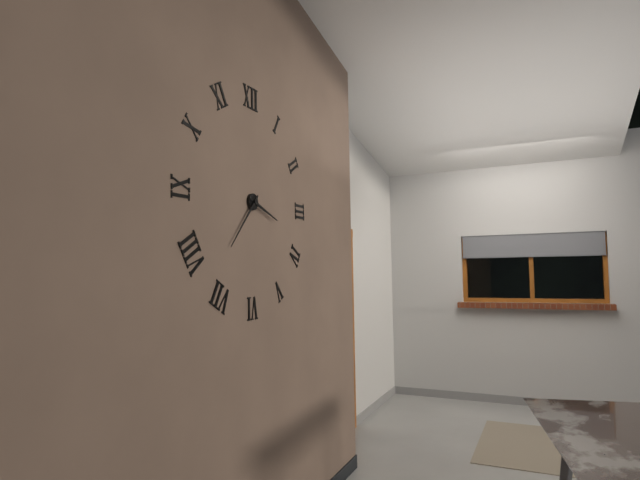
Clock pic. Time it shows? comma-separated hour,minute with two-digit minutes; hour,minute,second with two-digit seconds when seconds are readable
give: 3,37
